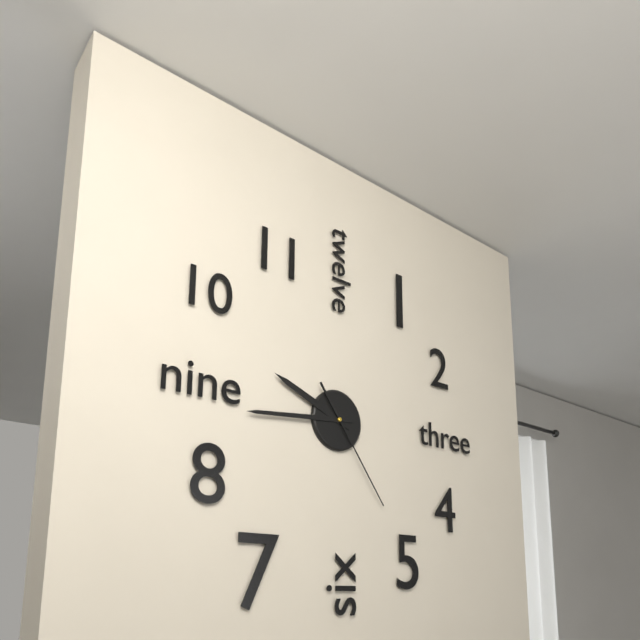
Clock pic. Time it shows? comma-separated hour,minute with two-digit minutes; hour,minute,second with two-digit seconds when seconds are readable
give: 9,44,24
